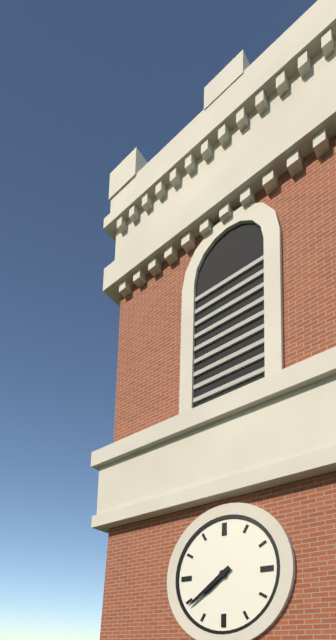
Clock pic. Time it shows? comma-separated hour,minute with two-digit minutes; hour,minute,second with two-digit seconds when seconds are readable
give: 7,39
